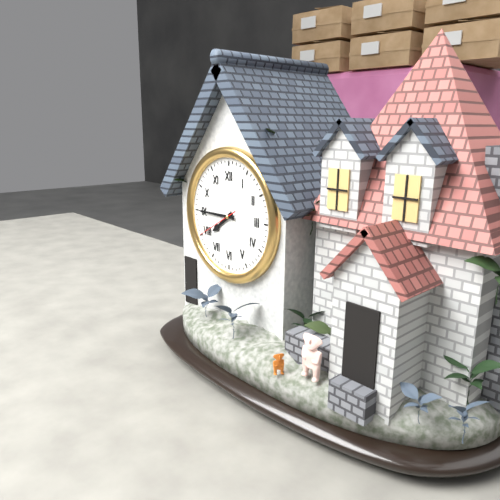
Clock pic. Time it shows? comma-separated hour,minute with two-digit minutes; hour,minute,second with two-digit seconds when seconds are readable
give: 7,45
